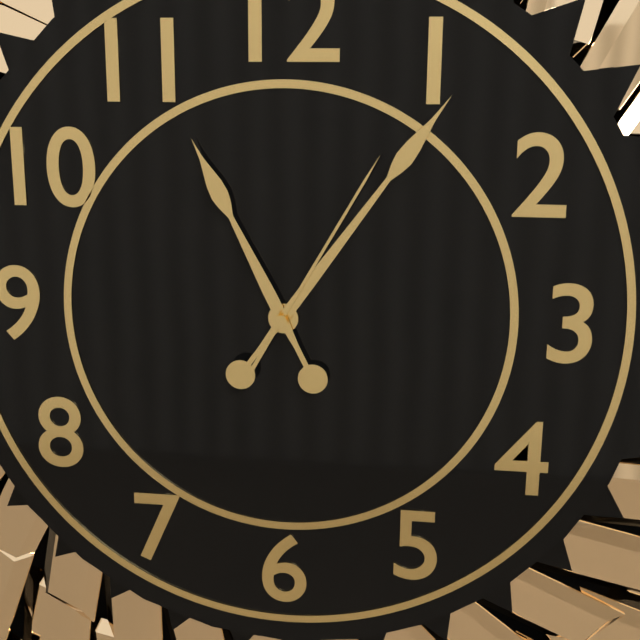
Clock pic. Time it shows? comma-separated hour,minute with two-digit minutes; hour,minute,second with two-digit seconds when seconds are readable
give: 11,06,05
